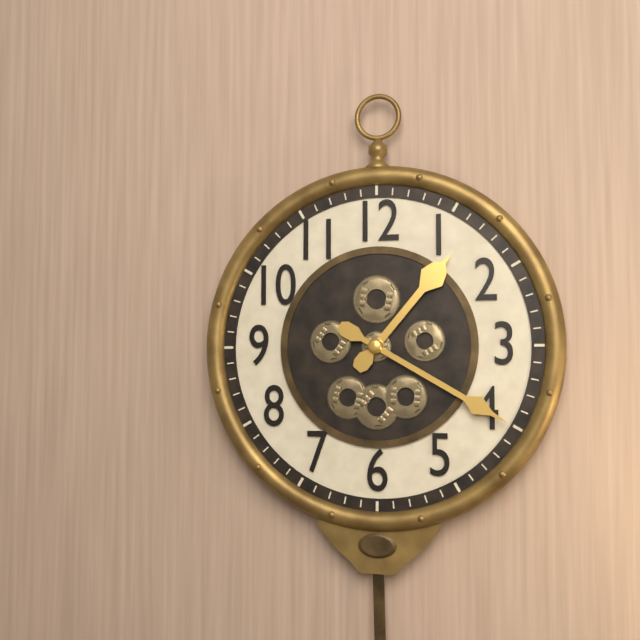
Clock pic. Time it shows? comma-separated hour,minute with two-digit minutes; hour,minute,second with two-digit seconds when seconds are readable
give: 1,20
